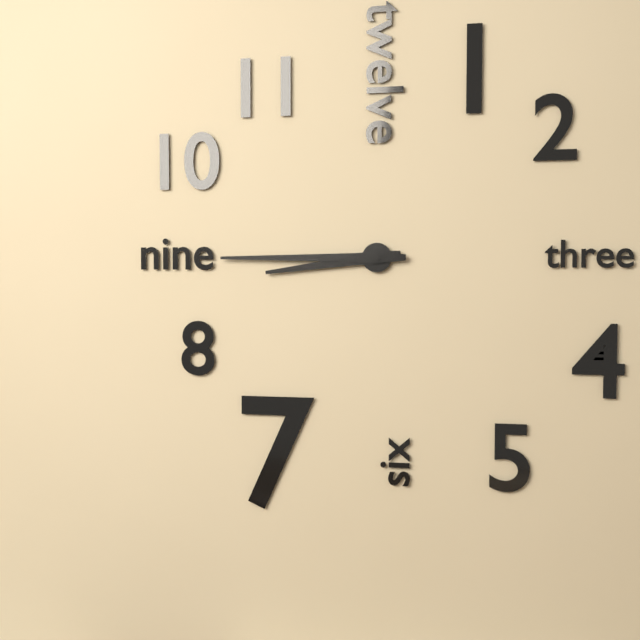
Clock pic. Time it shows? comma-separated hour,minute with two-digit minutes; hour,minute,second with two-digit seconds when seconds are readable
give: 8,45
